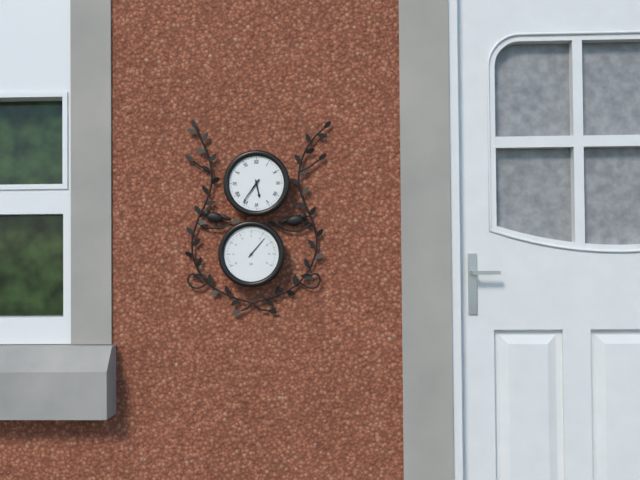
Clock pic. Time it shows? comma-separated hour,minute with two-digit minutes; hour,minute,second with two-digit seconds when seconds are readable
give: 5,36
